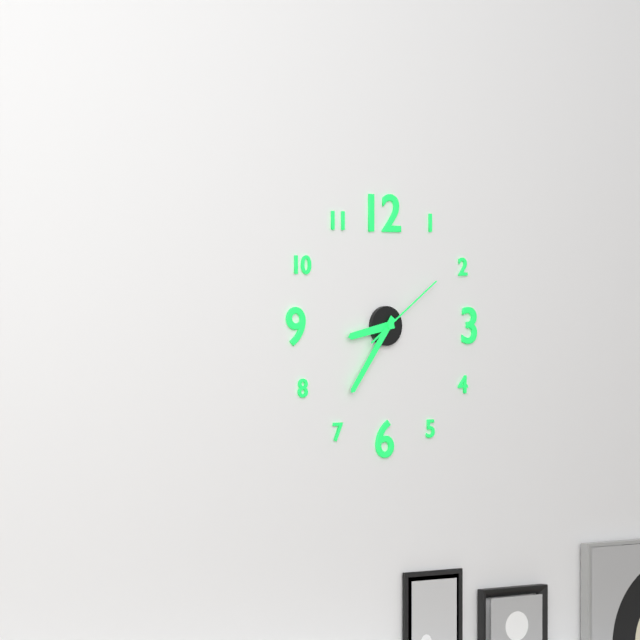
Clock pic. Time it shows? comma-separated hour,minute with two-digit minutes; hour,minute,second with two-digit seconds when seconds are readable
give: 8,36,09
